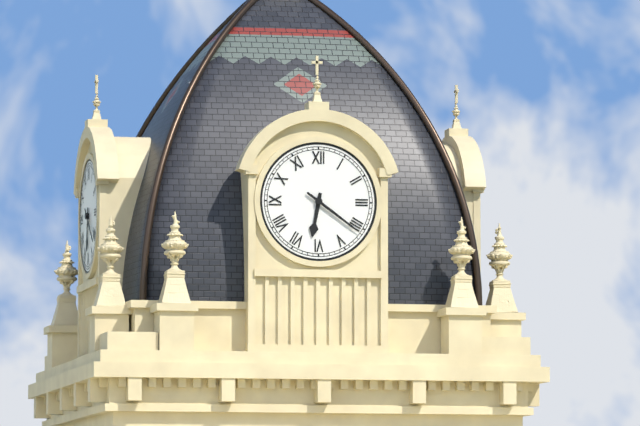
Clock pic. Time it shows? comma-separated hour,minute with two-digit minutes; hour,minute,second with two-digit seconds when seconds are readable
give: 6,21
